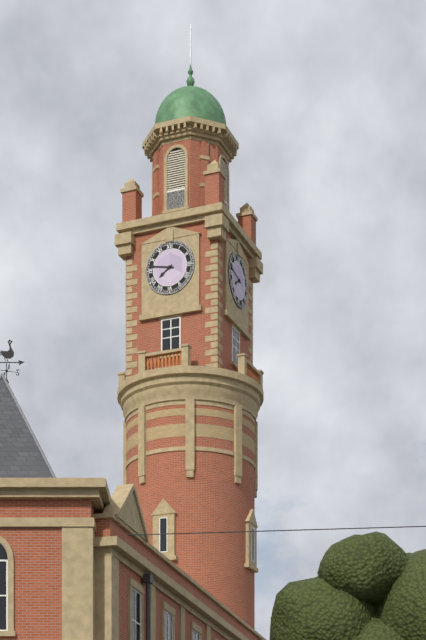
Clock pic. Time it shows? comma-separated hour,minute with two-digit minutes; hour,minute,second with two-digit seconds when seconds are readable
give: 7,47
